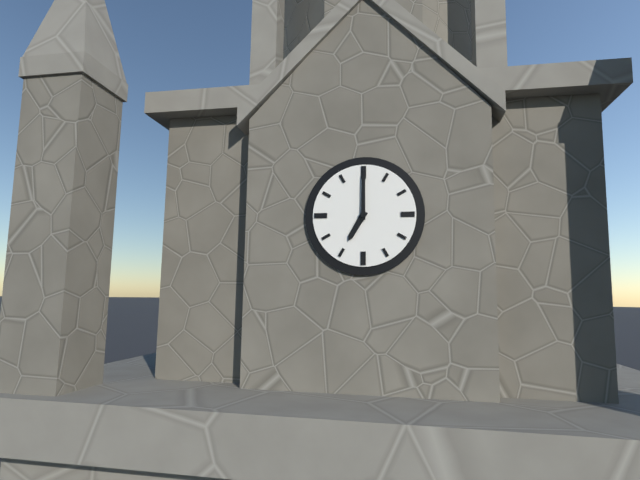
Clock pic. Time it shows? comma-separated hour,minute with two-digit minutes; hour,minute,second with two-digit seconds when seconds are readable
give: 7,00
